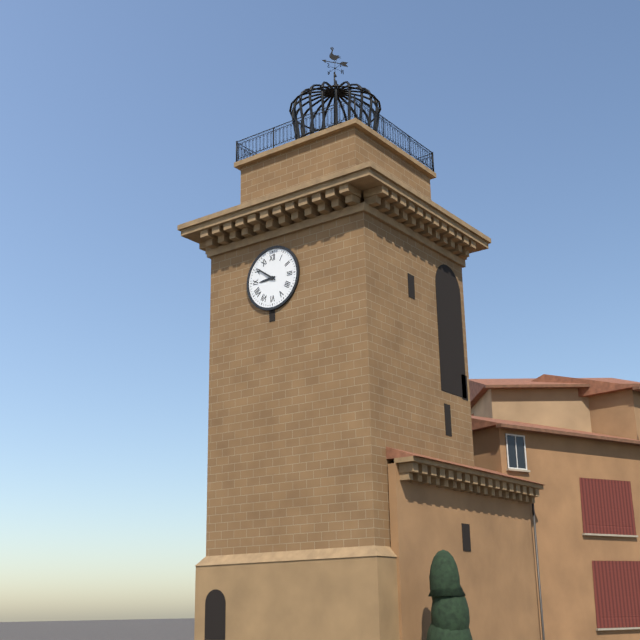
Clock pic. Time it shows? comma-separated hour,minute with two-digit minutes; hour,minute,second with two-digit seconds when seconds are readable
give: 8,51
